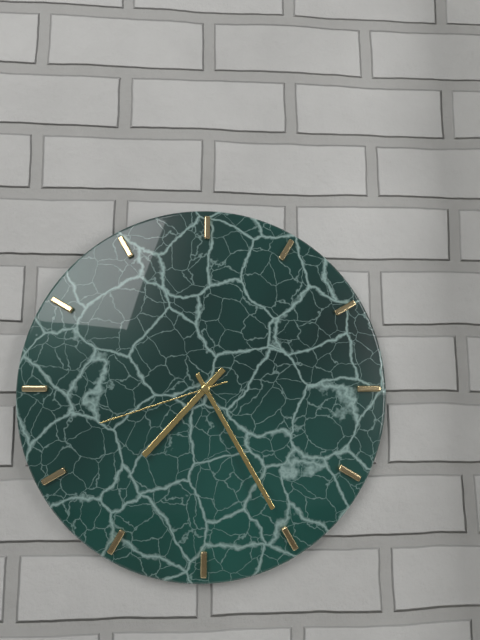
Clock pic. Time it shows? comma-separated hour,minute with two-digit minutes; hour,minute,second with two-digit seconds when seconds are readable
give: 7,25,42
